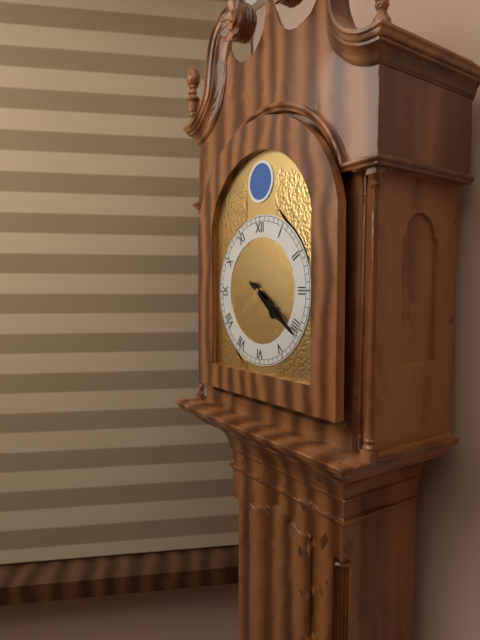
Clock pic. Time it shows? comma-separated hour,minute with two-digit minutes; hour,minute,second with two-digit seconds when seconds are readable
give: 4,21
